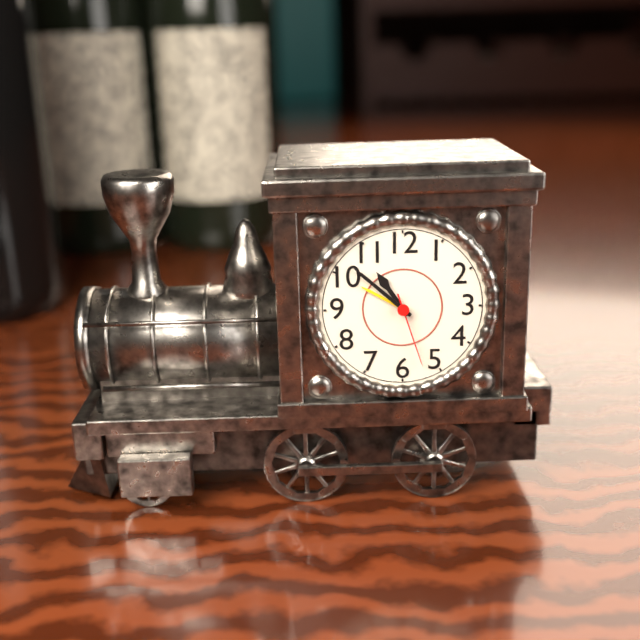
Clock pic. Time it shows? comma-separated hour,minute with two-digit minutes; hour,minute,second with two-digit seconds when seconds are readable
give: 10,52,27
